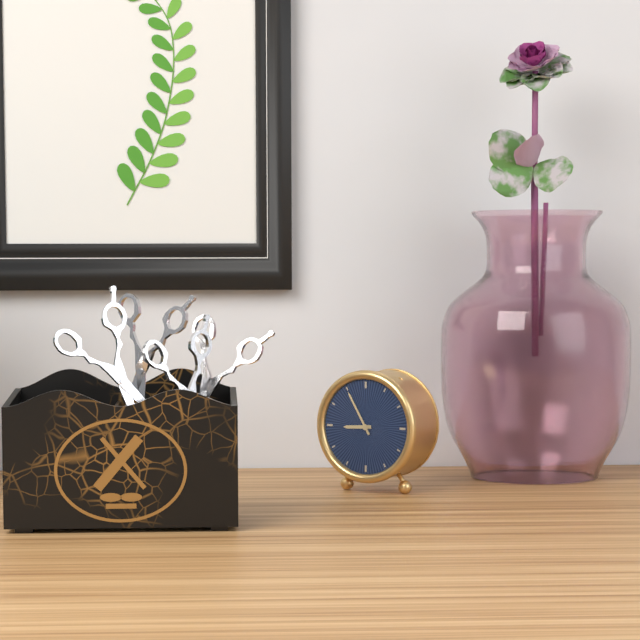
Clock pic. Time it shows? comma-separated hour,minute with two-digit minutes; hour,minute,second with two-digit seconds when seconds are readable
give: 8,55
